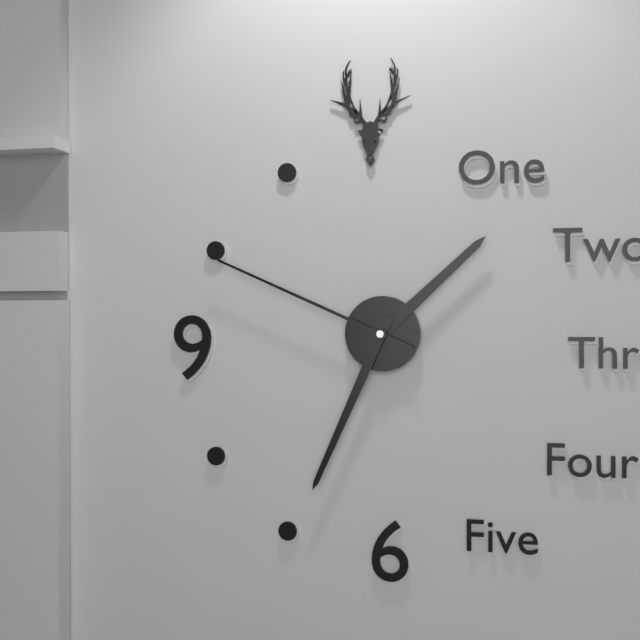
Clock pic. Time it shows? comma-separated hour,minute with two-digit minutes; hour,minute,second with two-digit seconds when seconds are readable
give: 1,34,49
